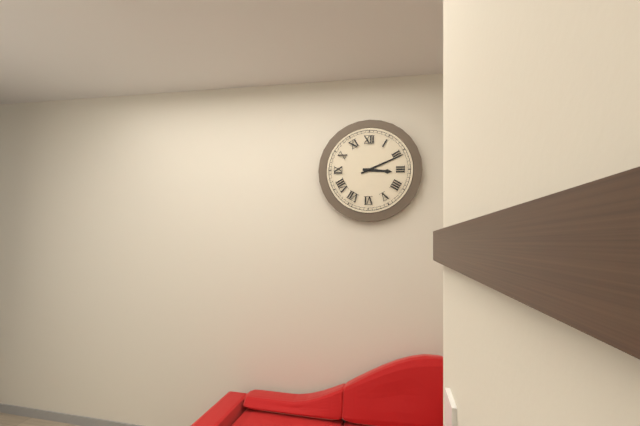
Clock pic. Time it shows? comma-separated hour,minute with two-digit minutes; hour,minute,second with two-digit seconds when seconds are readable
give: 3,11
